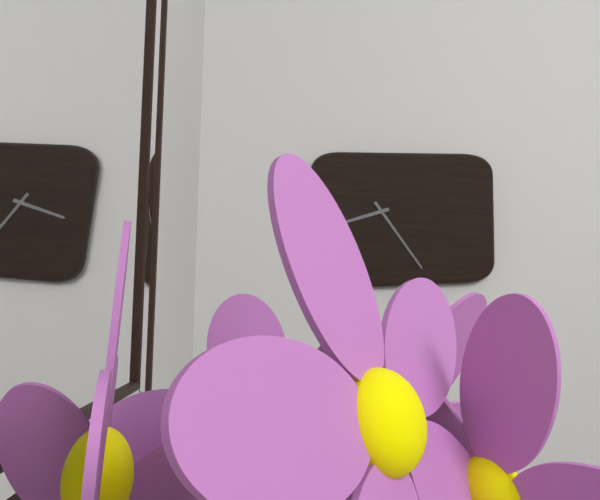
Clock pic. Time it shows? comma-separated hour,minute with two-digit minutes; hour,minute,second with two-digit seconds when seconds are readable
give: 8,24
